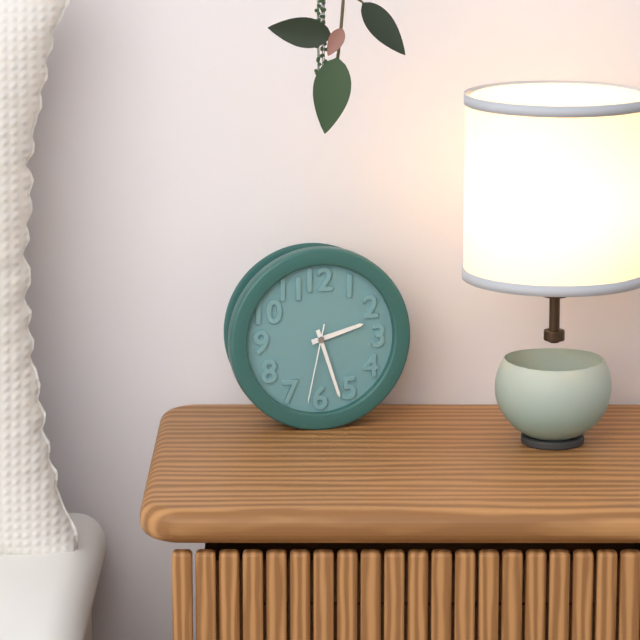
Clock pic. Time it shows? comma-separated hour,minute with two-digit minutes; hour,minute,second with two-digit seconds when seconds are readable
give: 2,27,32
